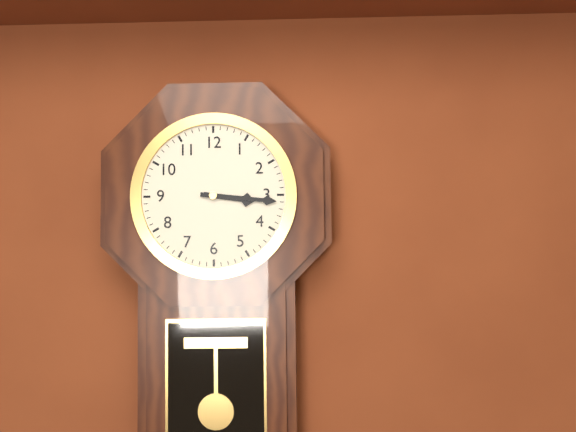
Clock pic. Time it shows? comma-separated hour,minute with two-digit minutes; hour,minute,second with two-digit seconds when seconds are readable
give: 3,16
